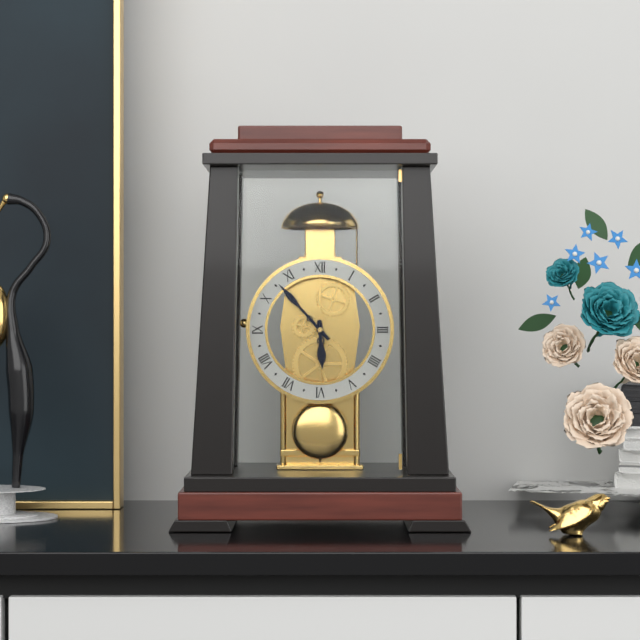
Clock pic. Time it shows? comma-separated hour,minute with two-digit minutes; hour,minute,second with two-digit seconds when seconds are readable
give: 5,53
